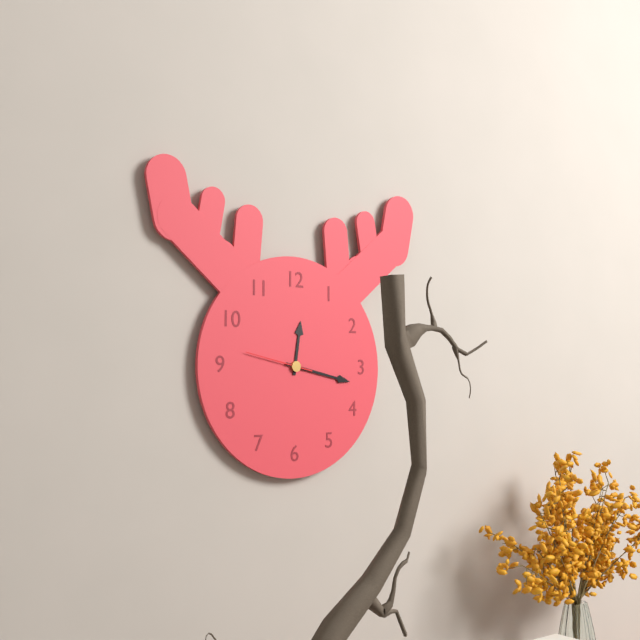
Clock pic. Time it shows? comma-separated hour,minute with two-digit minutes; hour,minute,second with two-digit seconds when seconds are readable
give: 12,17,47
